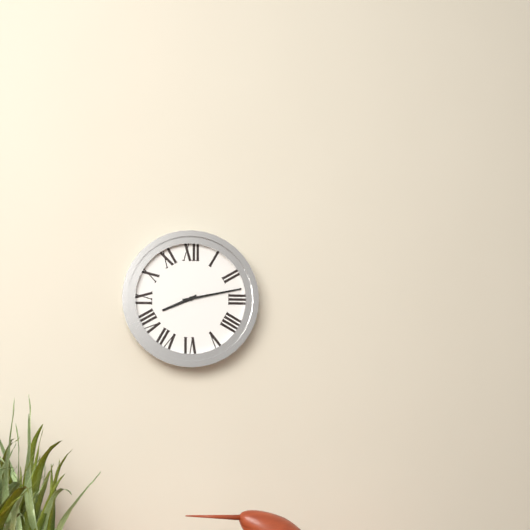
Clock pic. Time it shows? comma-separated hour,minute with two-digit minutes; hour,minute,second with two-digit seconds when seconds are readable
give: 8,13
